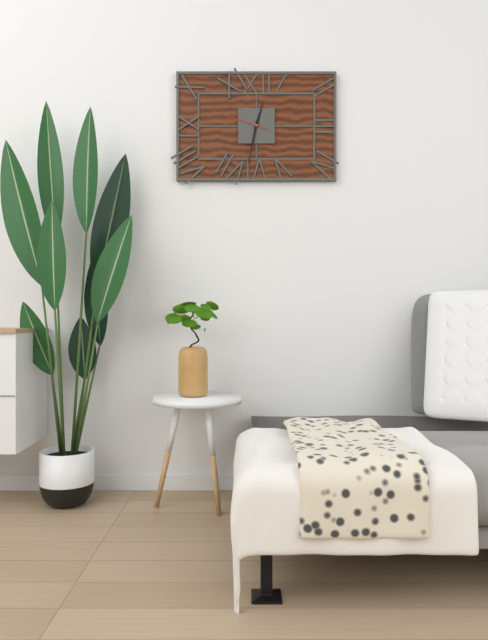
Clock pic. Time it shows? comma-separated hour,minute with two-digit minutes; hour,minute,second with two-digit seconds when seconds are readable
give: 12,32
